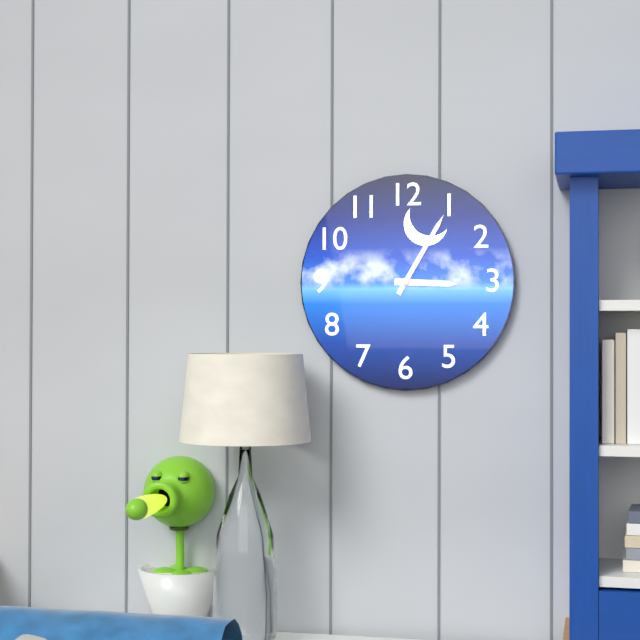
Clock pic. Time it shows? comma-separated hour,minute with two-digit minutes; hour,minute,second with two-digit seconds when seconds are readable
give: 3,05
